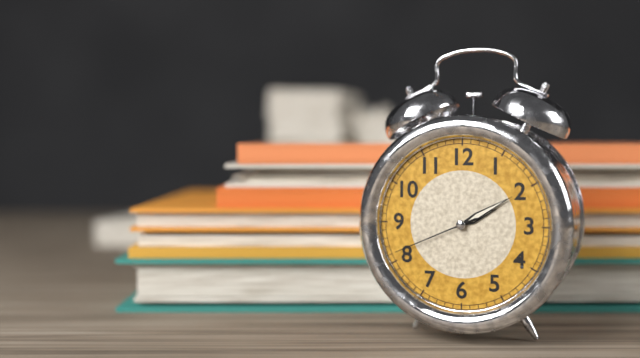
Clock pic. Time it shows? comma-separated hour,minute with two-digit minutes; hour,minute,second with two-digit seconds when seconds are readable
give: 2,10,41
